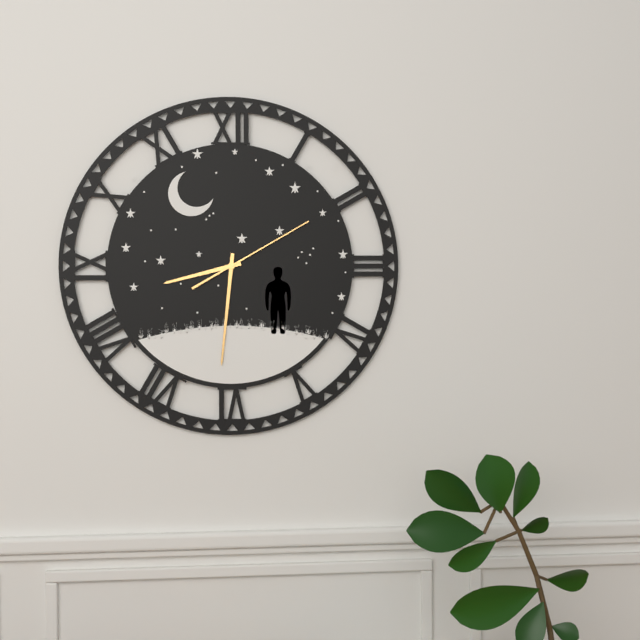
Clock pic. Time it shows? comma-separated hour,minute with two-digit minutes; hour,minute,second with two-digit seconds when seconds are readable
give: 8,31,10
